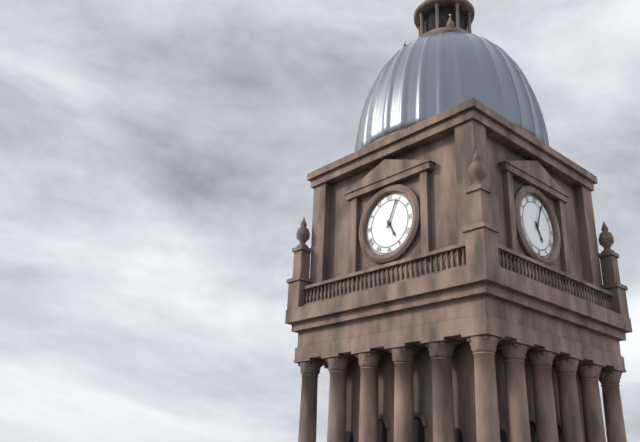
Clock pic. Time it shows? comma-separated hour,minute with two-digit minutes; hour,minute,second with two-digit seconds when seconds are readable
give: 5,04
